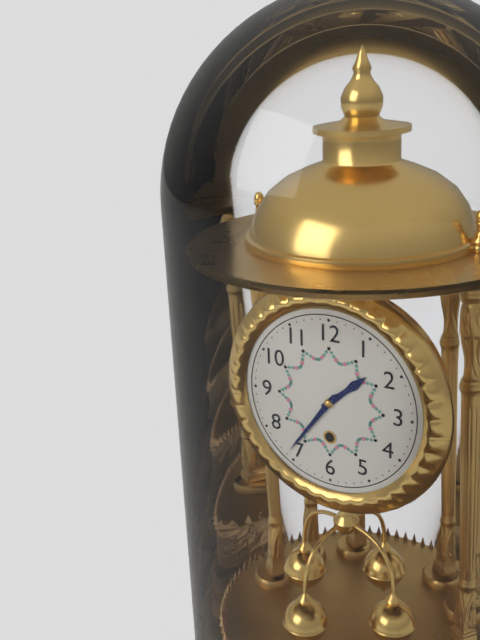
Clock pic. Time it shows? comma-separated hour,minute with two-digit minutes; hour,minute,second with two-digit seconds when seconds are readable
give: 1,36
